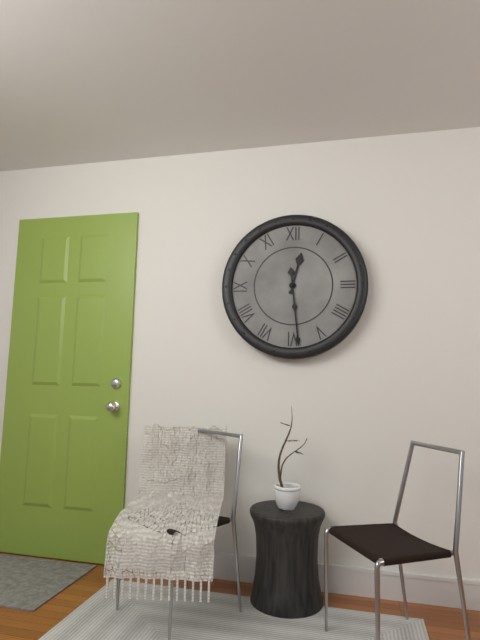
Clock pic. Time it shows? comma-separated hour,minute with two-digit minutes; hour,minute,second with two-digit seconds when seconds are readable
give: 12,29
